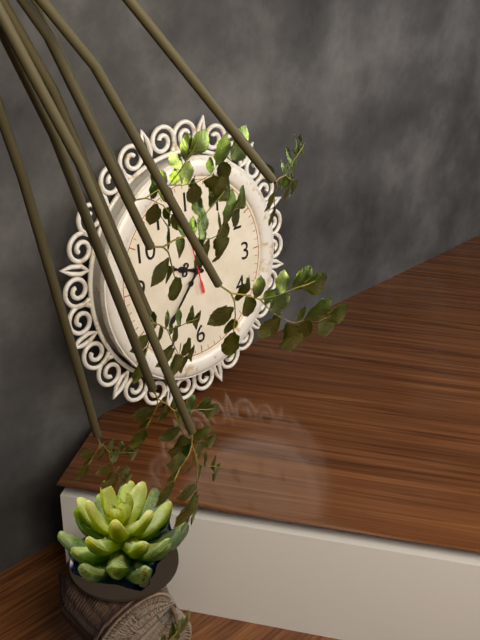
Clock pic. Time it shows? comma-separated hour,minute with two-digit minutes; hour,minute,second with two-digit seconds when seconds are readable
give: 9,37
